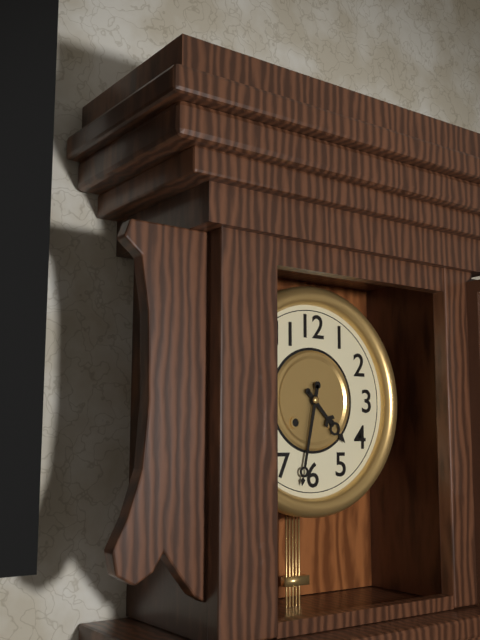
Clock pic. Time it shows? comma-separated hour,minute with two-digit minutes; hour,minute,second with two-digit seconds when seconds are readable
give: 4,32
